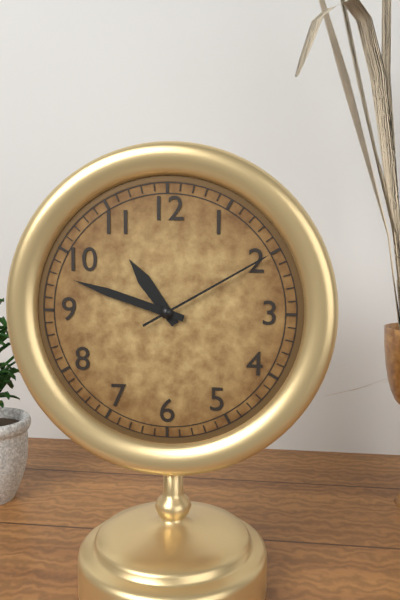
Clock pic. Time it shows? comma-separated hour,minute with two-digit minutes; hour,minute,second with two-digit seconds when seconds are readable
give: 10,48,10
